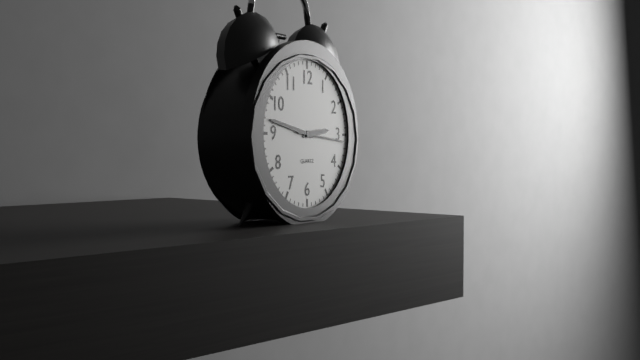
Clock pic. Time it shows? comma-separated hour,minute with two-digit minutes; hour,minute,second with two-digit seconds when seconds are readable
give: 2,47
